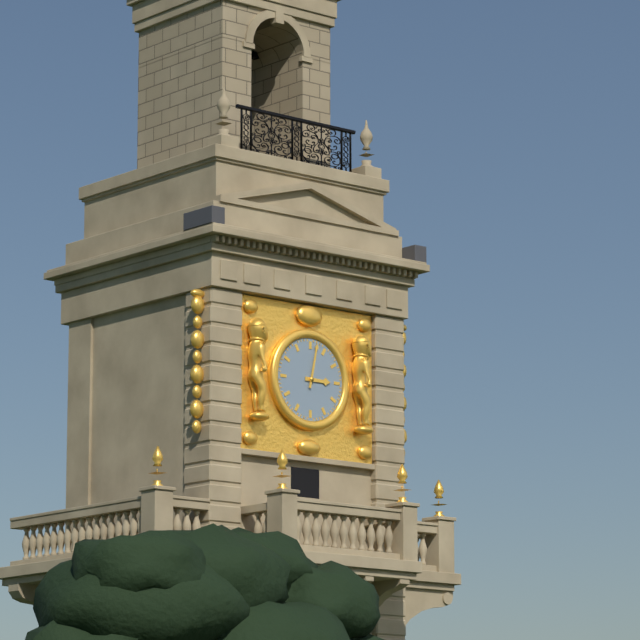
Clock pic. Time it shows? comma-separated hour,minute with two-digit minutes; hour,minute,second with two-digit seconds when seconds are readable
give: 3,02
